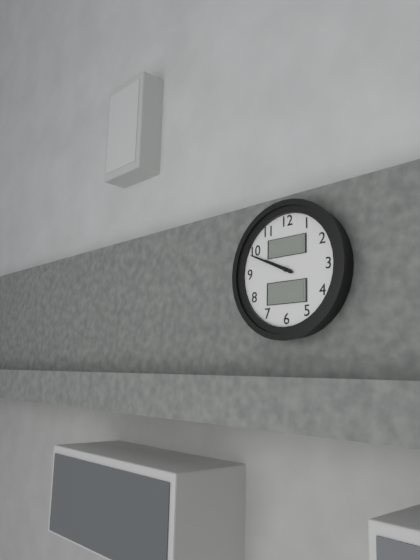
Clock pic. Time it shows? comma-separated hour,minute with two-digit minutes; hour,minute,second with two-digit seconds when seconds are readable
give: 9,49
